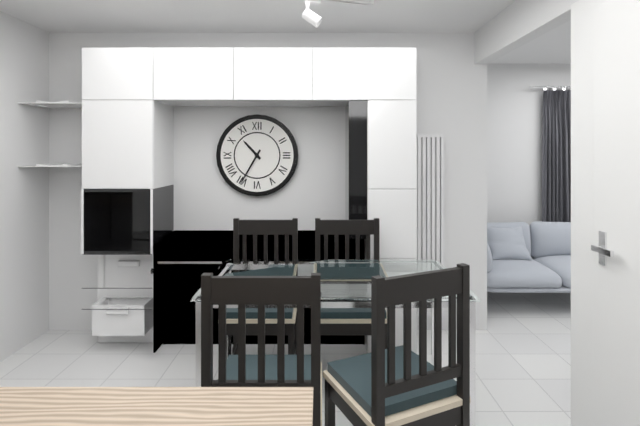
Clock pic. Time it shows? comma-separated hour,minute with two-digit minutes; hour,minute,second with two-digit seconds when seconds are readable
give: 10,35
